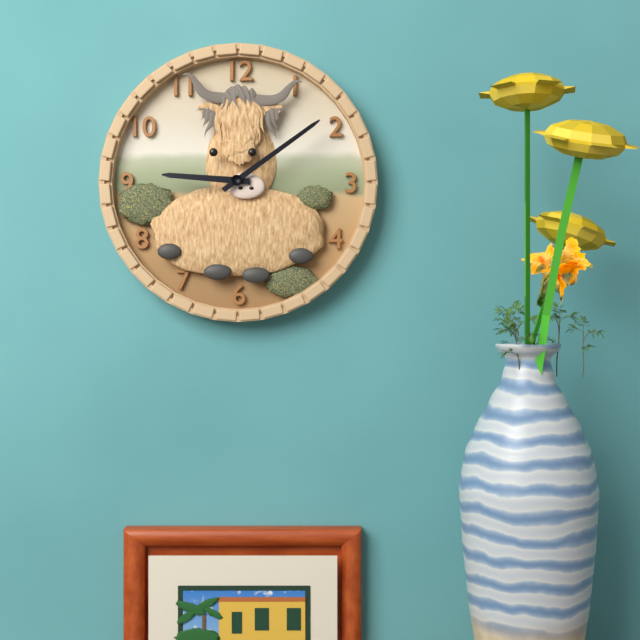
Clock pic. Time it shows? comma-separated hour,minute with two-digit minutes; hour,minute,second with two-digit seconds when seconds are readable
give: 9,09
